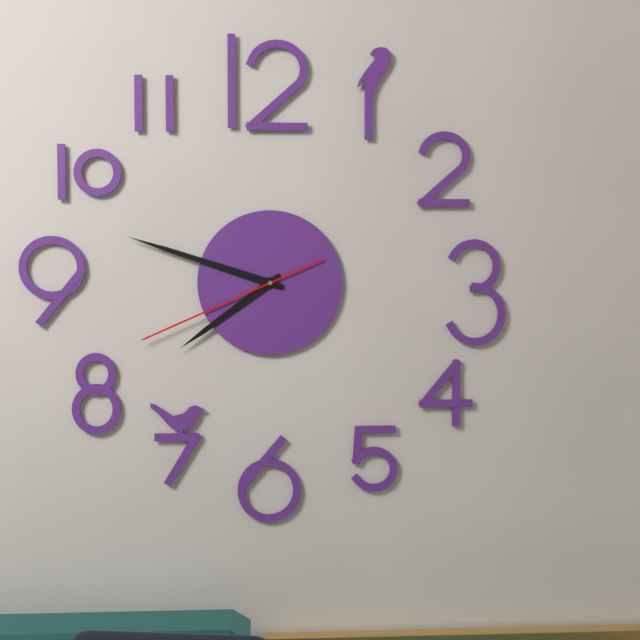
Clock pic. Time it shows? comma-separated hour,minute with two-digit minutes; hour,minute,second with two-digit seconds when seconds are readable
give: 7,48,41
